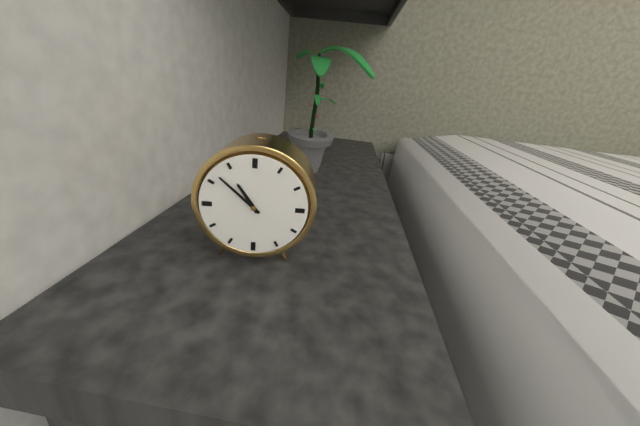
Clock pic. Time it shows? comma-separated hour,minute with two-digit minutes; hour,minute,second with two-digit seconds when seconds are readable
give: 10,52
